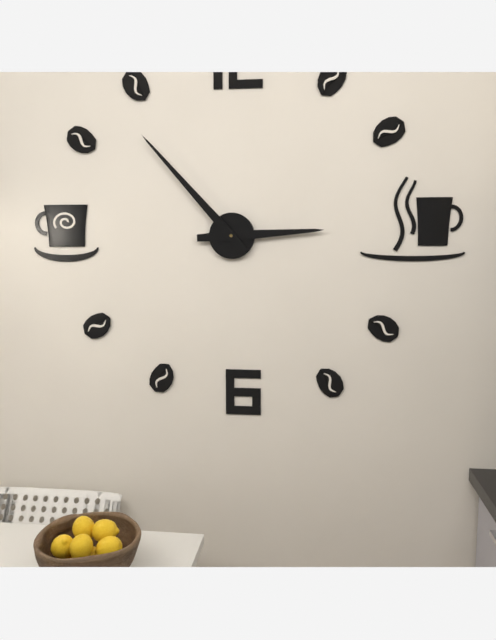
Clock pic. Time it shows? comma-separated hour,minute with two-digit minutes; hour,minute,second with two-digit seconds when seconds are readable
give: 2,53
